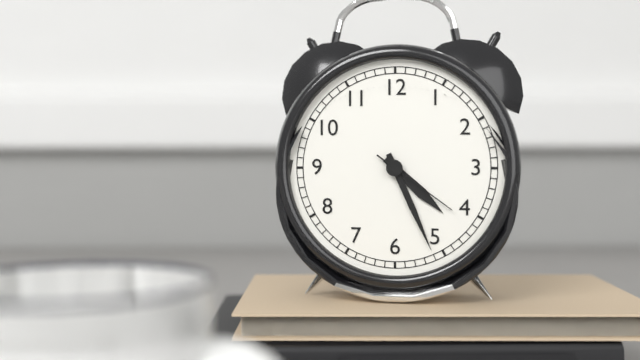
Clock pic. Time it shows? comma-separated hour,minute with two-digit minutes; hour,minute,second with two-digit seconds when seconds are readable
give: 4,26,21
